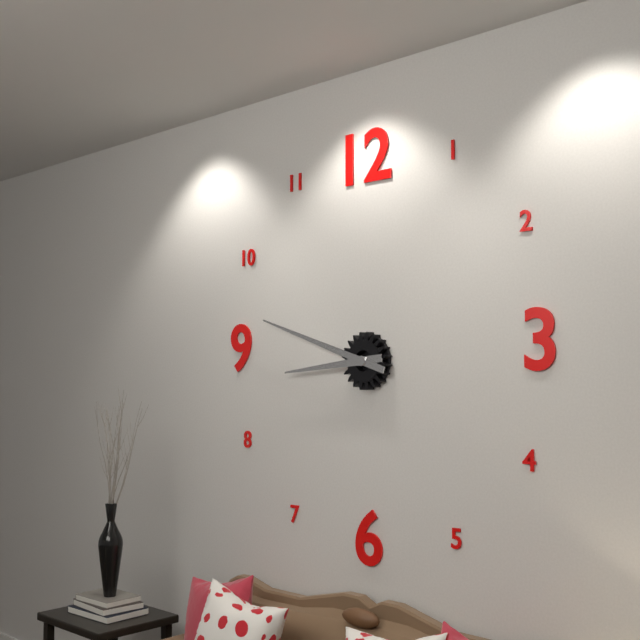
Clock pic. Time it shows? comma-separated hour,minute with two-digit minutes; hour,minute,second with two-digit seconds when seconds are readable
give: 8,48
